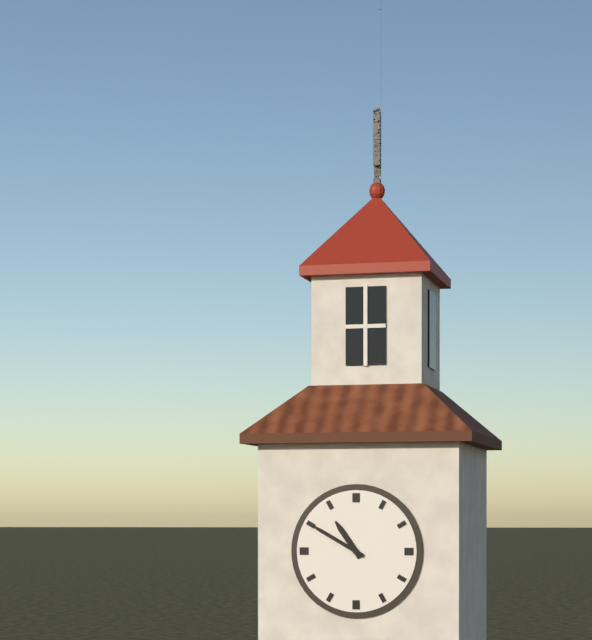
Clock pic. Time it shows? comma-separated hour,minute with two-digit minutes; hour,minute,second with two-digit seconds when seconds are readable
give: 10,50
